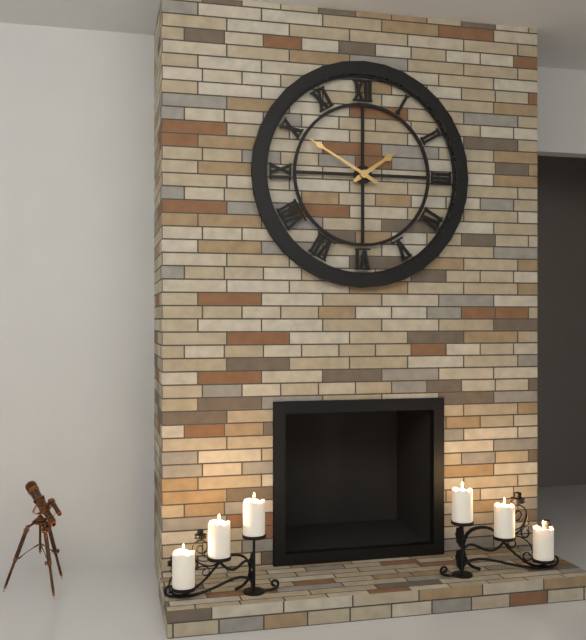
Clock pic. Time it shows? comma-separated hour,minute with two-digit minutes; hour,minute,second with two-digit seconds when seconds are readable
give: 1,50
